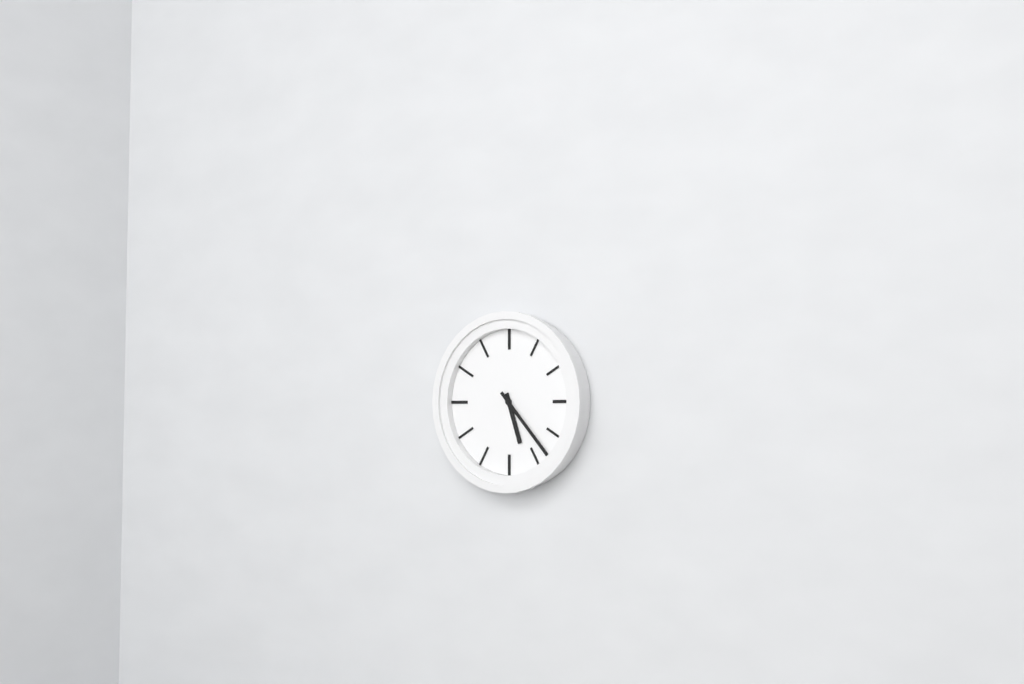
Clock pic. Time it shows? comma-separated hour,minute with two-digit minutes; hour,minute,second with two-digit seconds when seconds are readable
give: 5,23
